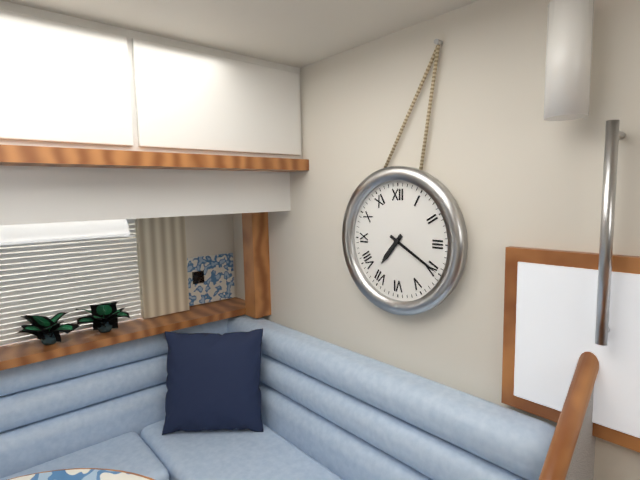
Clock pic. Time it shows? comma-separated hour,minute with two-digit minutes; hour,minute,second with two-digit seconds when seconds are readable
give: 7,20
